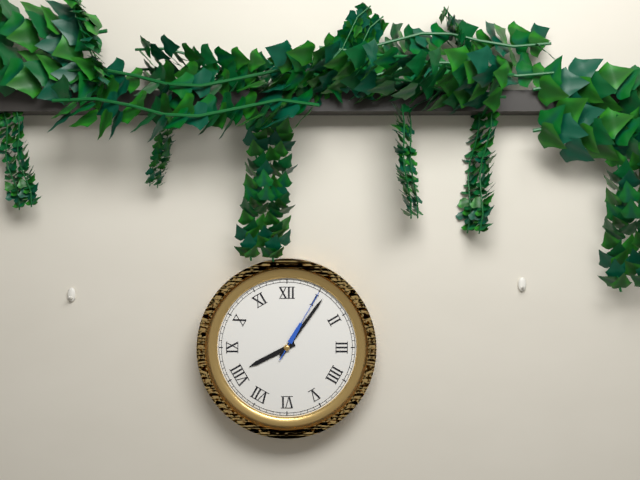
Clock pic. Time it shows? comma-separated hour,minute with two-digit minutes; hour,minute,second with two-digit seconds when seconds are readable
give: 8,06,05
